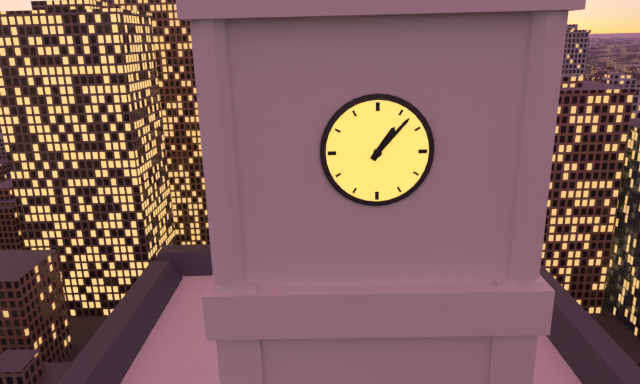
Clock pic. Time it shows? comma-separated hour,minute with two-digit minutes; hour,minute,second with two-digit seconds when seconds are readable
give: 1,07
